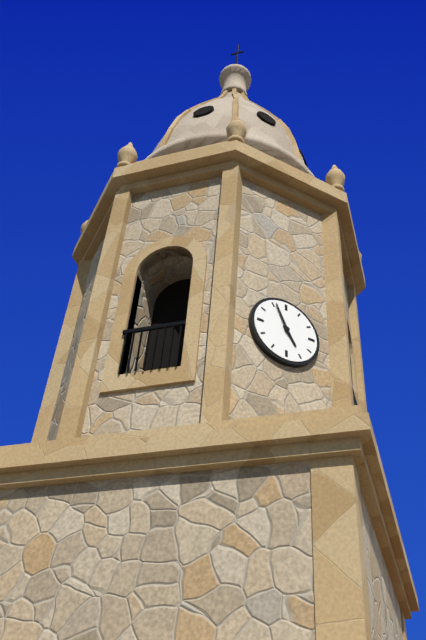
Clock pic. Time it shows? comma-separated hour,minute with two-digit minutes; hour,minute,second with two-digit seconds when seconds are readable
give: 4,56
